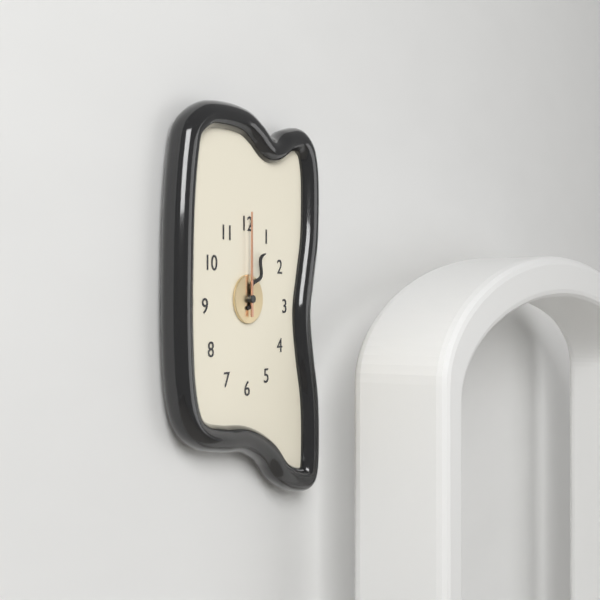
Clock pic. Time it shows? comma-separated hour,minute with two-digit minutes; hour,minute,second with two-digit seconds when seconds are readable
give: 1,00
